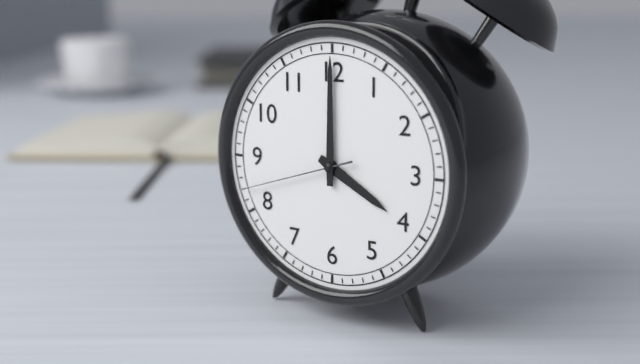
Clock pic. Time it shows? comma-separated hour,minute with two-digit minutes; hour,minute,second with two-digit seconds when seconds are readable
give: 4,00,42
